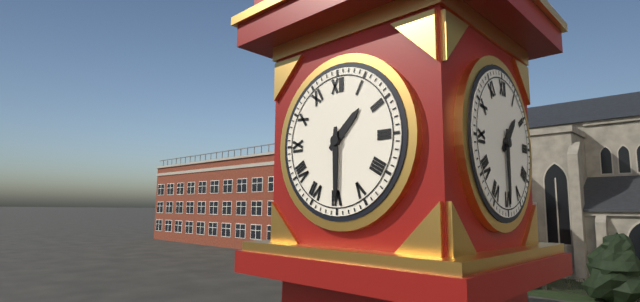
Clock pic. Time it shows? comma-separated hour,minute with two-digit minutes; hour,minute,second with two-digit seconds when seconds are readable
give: 1,30
